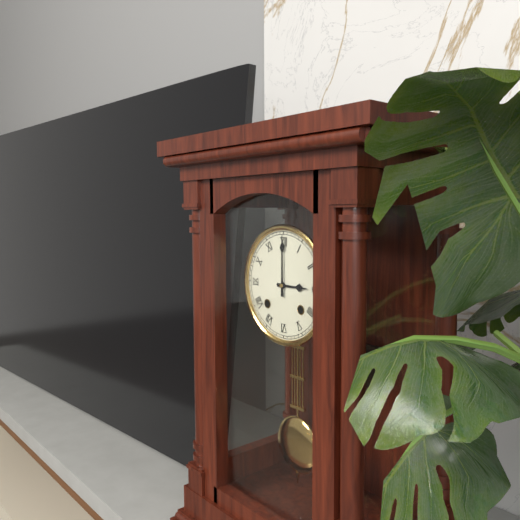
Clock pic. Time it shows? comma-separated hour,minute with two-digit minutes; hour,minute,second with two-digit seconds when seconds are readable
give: 3,00
